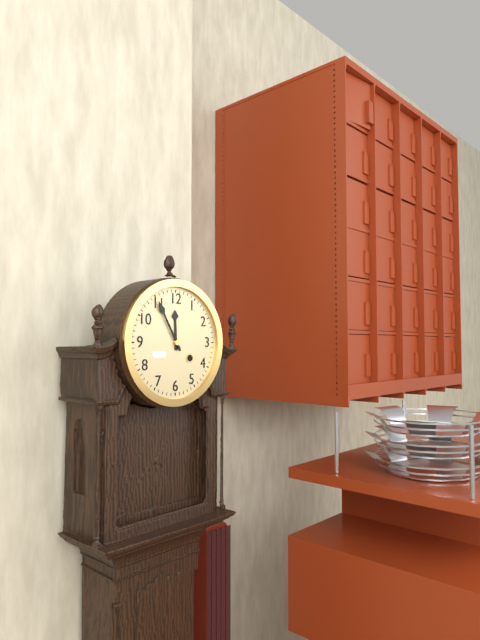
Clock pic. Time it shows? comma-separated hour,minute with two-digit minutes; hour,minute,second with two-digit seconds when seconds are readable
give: 11,55
